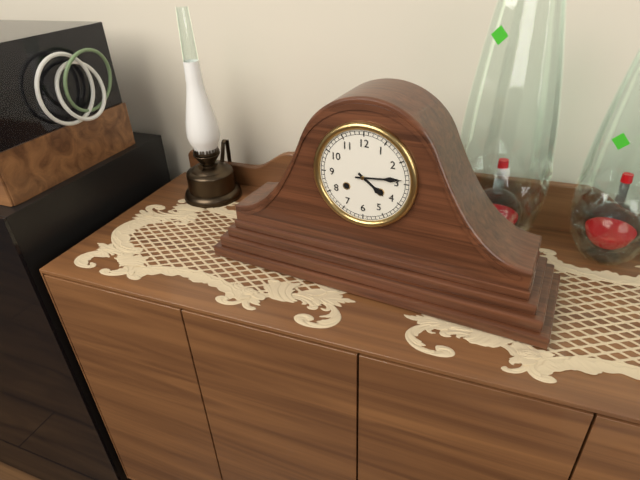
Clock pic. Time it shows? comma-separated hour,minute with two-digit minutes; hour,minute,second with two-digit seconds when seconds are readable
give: 4,14
